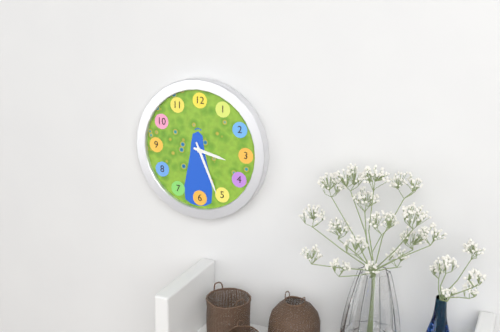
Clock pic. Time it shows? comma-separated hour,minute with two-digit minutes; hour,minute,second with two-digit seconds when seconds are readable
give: 3,26
